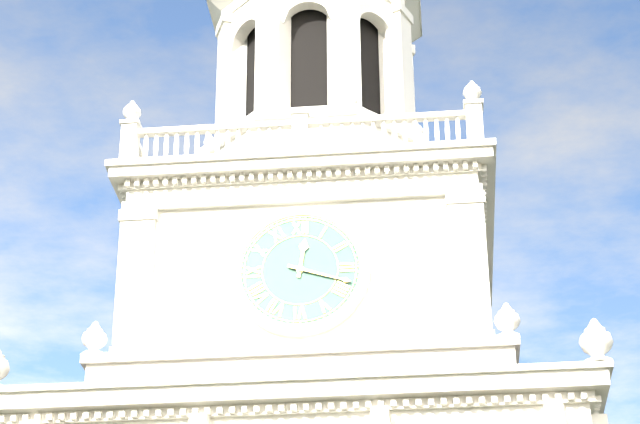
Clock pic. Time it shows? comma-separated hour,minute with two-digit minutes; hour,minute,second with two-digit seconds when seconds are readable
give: 12,18
